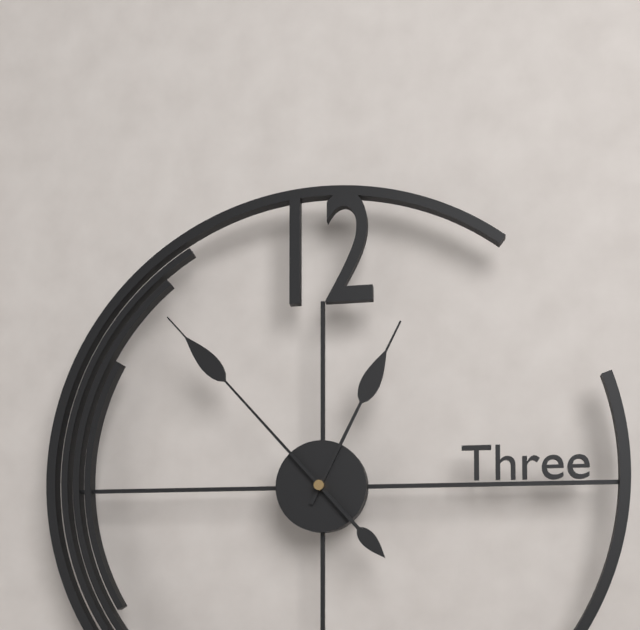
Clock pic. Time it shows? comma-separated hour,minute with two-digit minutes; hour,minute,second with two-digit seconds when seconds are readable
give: 12,53
